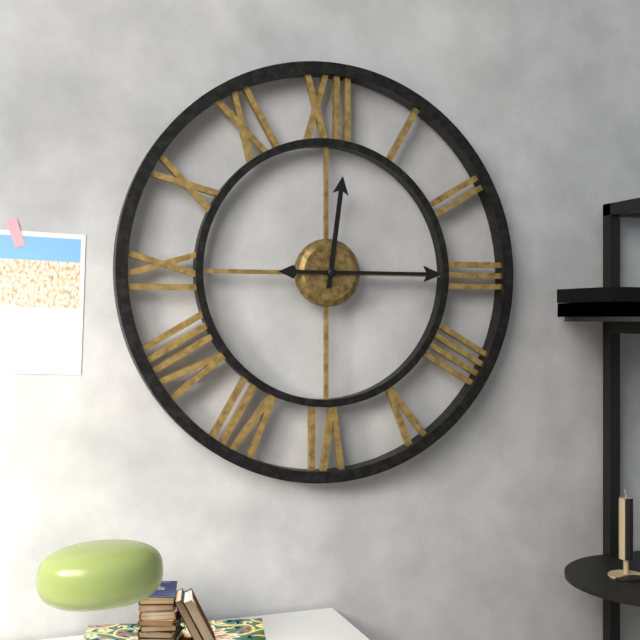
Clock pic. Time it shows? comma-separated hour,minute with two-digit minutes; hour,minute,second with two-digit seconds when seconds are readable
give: 12,15
